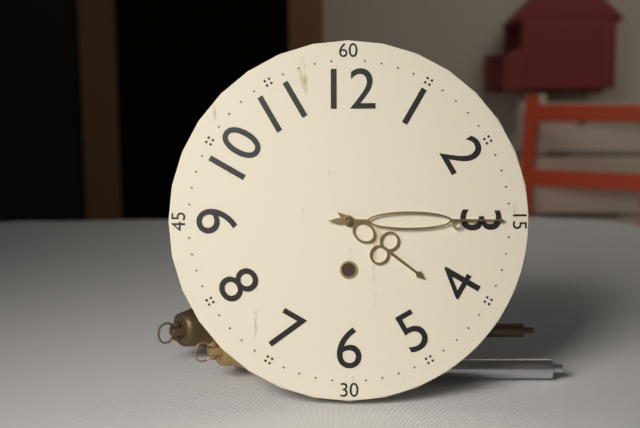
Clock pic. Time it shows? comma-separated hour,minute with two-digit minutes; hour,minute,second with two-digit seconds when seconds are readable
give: 4,15
